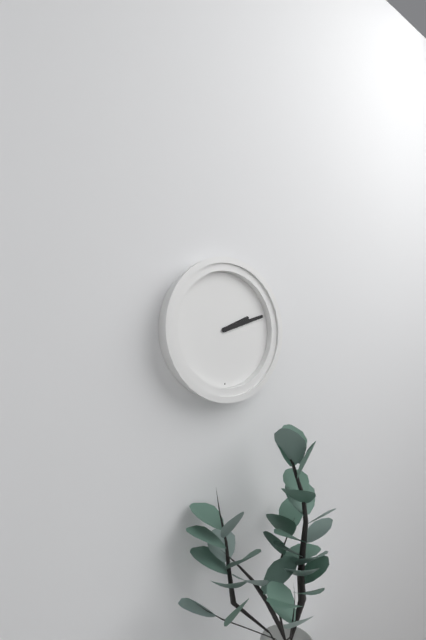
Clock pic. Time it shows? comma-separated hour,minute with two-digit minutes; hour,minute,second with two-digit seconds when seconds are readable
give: 2,12
